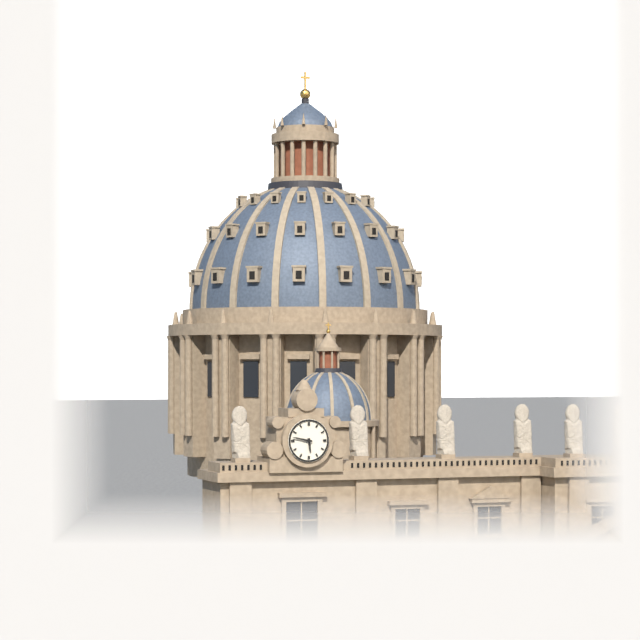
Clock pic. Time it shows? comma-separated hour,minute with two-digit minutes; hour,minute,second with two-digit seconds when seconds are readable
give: 5,47
